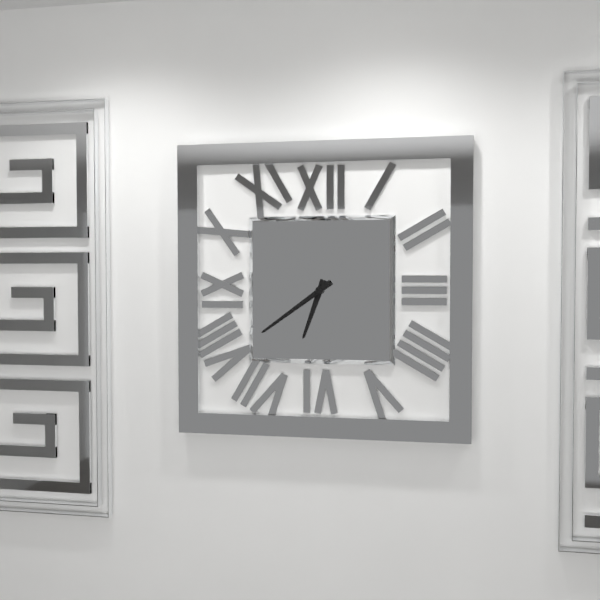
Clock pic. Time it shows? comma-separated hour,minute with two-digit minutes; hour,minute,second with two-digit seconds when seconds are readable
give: 6,39
